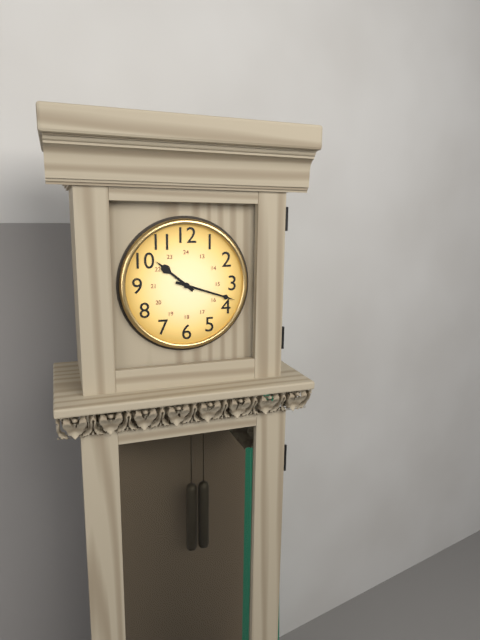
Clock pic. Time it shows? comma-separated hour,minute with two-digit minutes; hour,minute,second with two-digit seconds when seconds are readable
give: 10,18
